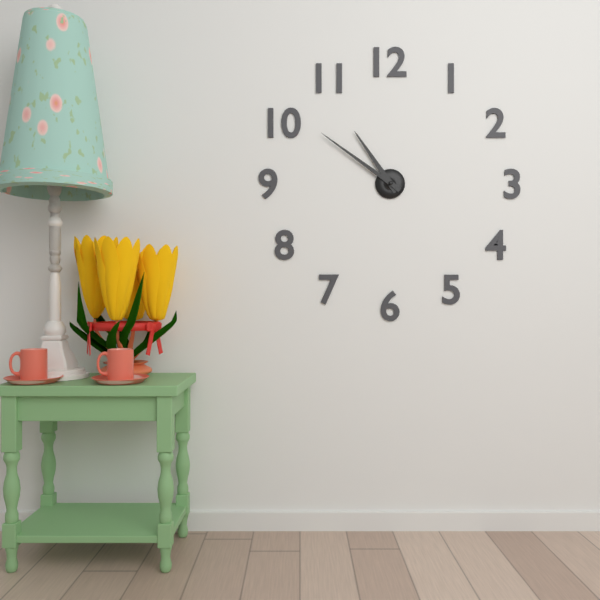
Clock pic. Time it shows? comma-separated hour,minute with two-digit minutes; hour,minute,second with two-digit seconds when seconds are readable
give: 10,51
